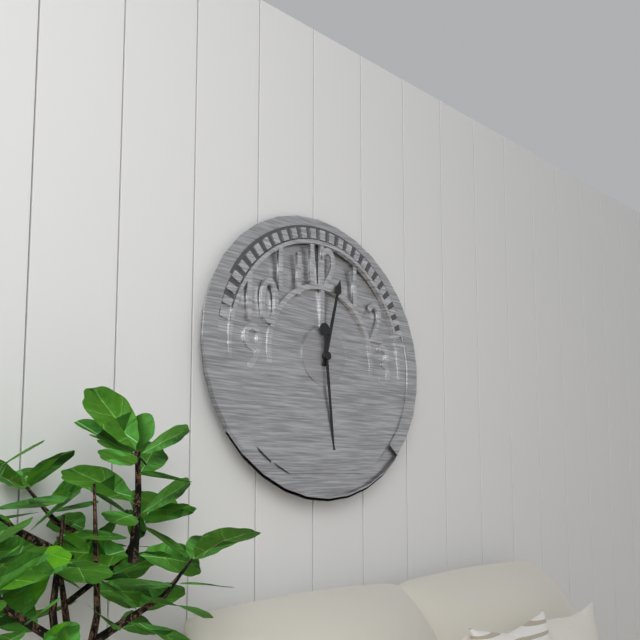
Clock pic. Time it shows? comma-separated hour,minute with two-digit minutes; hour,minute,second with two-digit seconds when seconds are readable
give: 12,29
